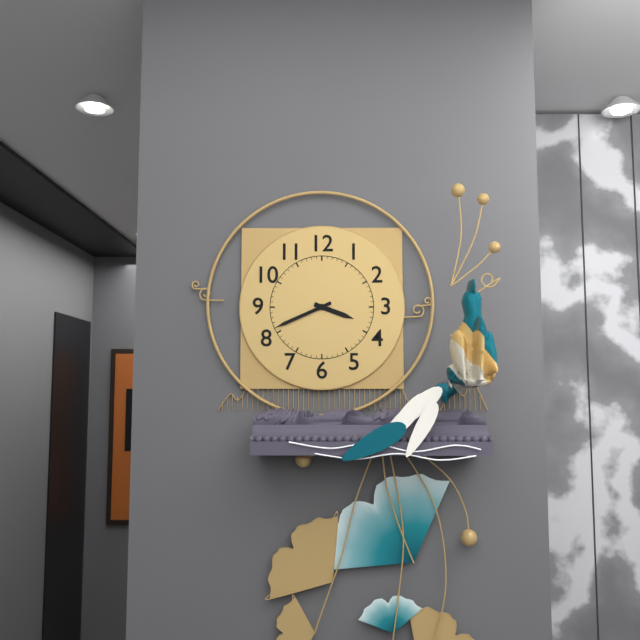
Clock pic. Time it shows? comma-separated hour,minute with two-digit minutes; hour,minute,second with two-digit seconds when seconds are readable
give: 3,41
